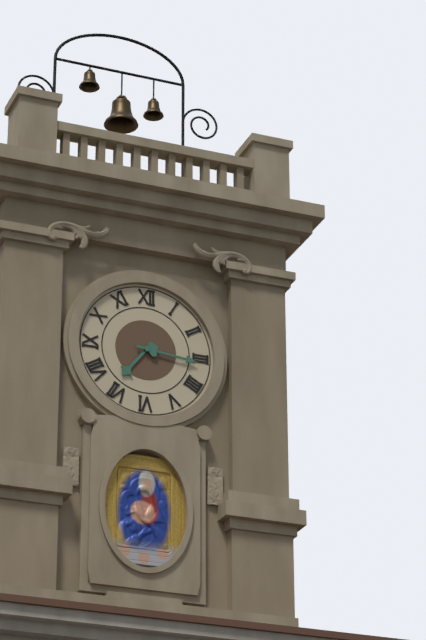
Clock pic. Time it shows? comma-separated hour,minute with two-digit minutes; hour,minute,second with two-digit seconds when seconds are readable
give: 7,16
